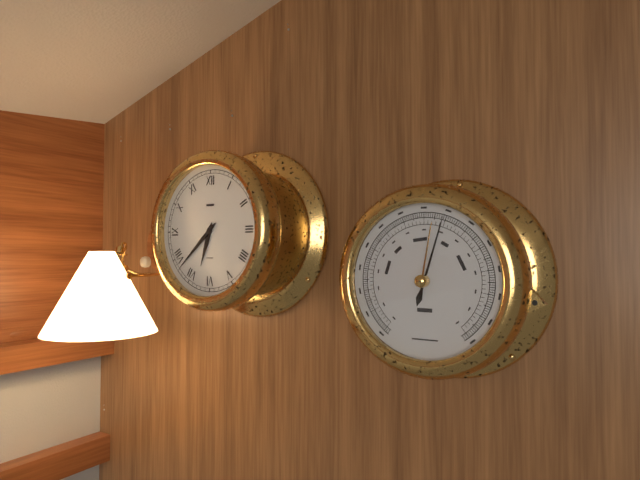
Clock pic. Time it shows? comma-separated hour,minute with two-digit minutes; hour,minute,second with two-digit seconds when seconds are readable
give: 6,38
